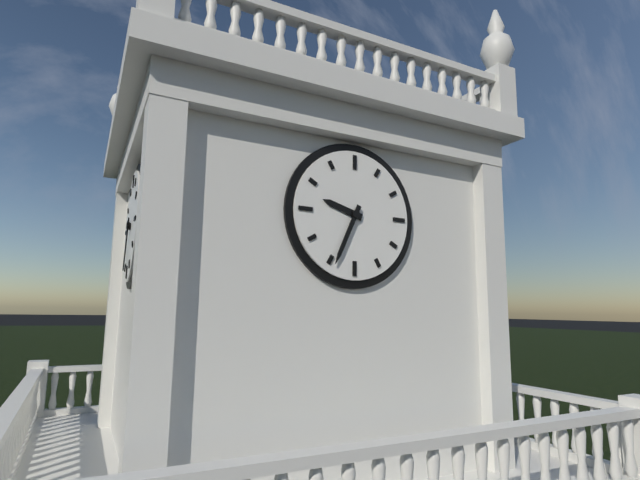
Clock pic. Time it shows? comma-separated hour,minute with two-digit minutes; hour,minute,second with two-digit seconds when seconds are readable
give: 9,34
